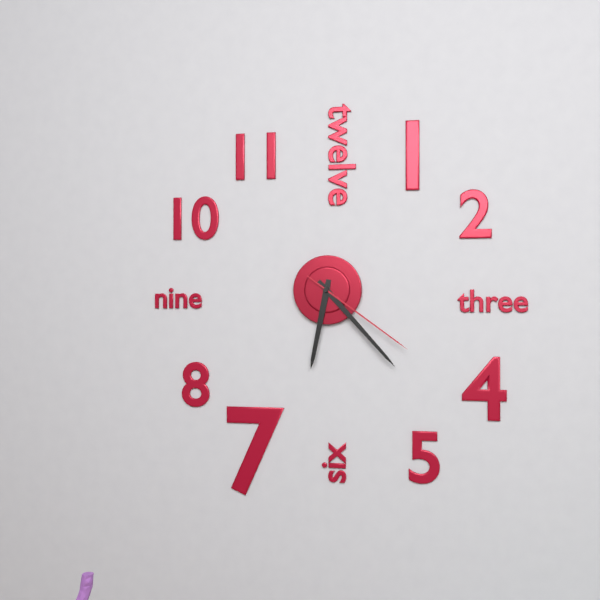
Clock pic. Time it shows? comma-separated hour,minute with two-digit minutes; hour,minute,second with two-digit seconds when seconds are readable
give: 6,23,21
